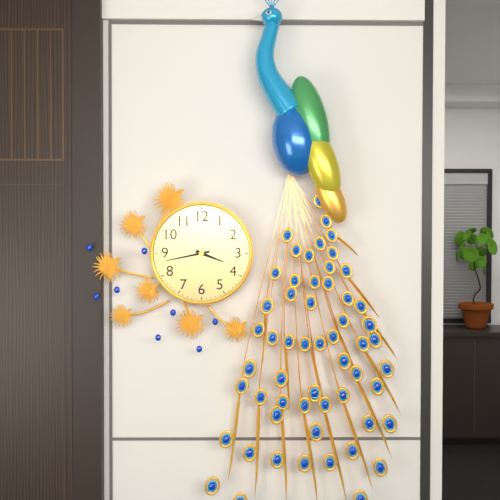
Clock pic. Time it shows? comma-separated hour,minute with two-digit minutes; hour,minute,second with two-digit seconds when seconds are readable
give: 3,43
